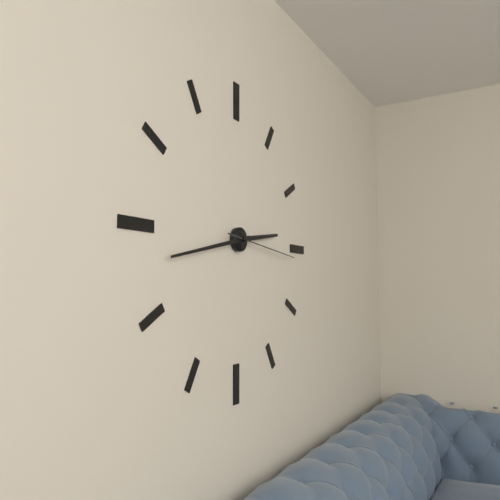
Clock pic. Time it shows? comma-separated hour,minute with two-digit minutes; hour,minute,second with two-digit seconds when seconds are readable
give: 2,43,16
